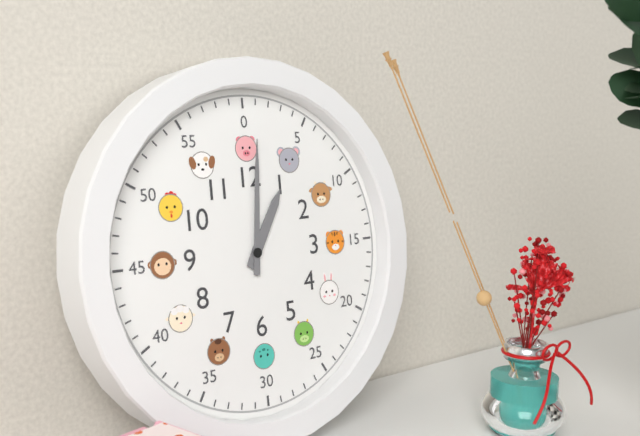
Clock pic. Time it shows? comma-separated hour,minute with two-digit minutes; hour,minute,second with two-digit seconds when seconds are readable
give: 1,01
